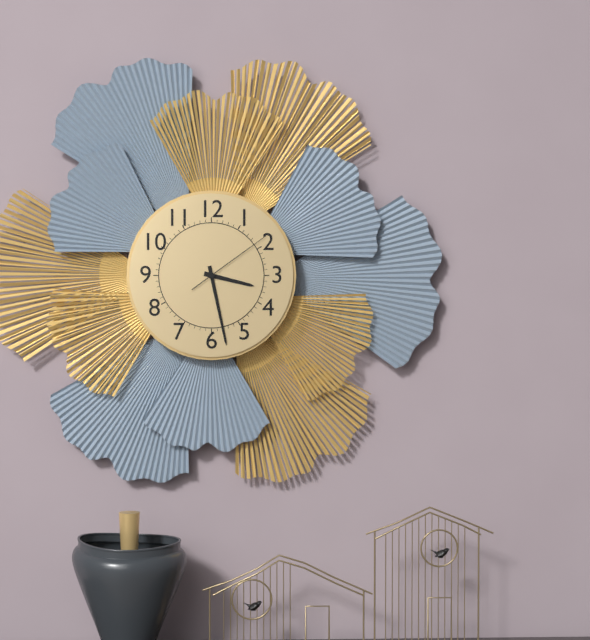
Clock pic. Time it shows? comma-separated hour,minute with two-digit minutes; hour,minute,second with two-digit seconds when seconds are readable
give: 3,28,09
